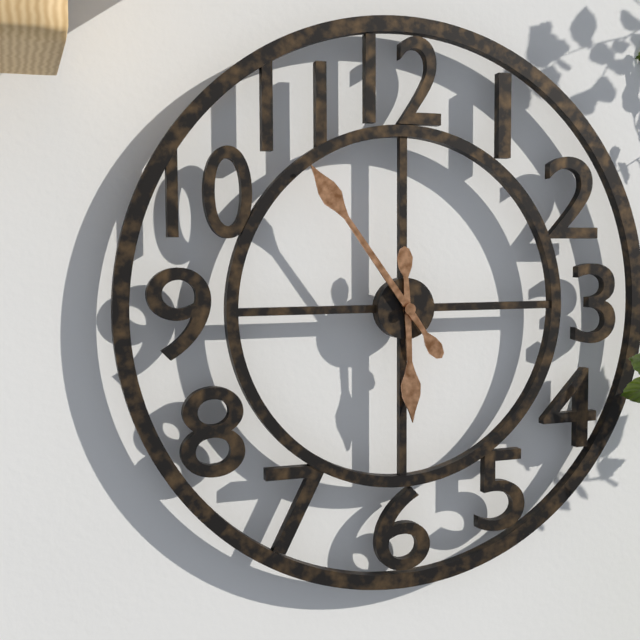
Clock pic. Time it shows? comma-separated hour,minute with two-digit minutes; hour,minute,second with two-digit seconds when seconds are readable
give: 5,54
